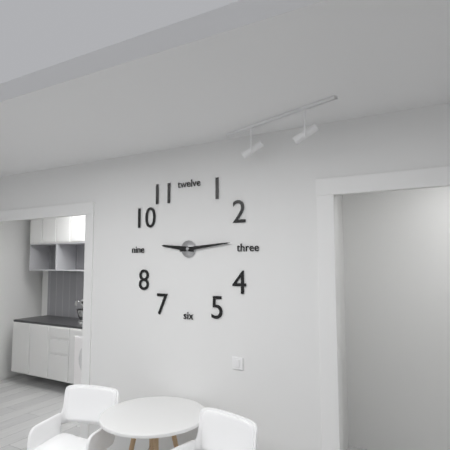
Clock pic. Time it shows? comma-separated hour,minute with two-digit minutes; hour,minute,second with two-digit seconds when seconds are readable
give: 9,14
